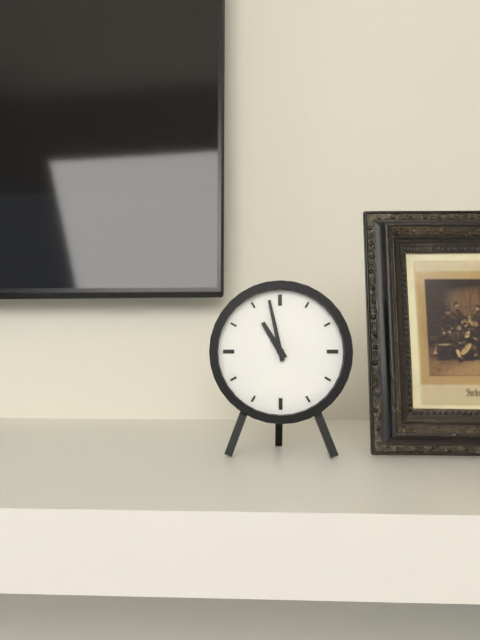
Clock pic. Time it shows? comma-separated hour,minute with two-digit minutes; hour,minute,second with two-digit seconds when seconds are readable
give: 10,58
